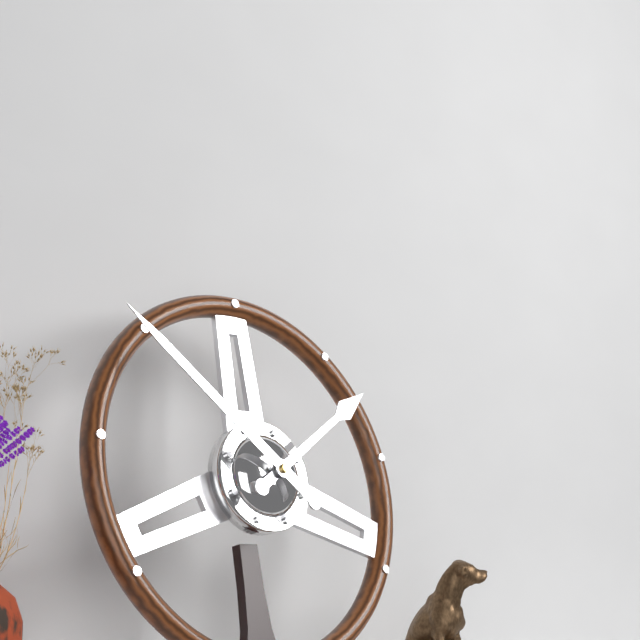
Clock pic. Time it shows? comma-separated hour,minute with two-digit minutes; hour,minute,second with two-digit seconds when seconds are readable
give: 1,52
